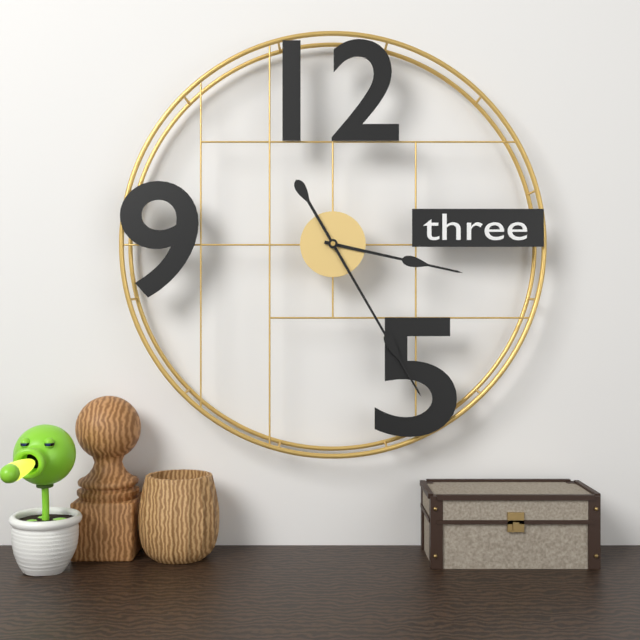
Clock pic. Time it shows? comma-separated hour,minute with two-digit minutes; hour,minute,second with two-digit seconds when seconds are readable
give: 3,25
